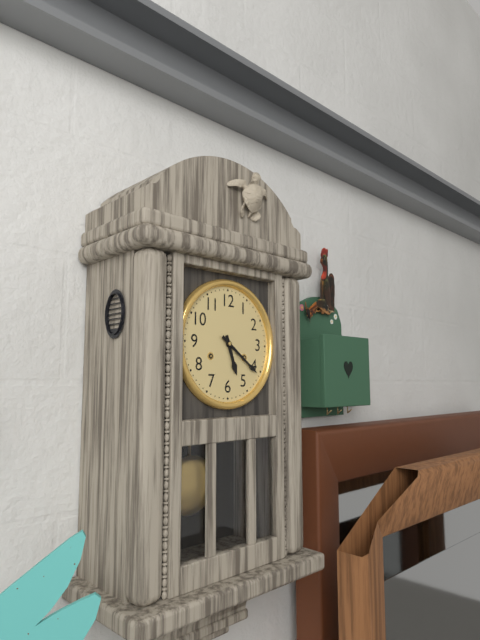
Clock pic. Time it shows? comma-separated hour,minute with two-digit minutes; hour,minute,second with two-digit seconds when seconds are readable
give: 5,21
